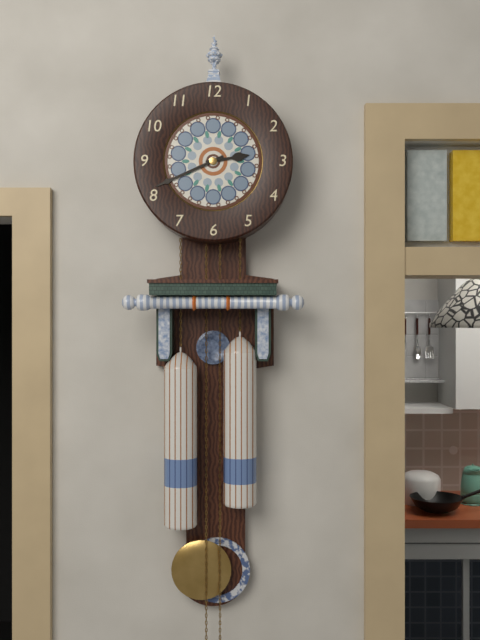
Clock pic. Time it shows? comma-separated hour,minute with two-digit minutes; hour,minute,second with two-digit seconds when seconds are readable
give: 2,41
